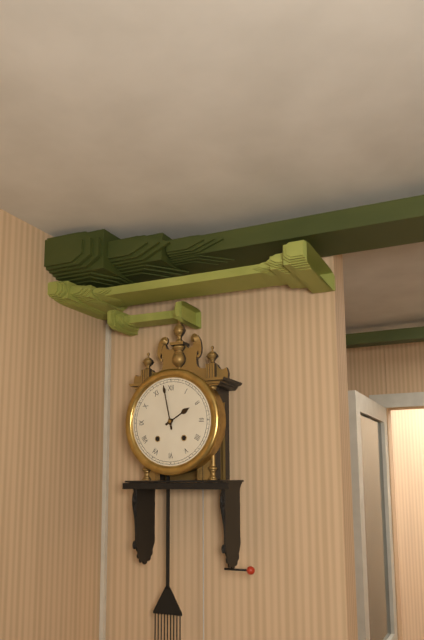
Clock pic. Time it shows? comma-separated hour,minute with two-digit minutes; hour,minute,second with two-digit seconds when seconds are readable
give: 1,58
